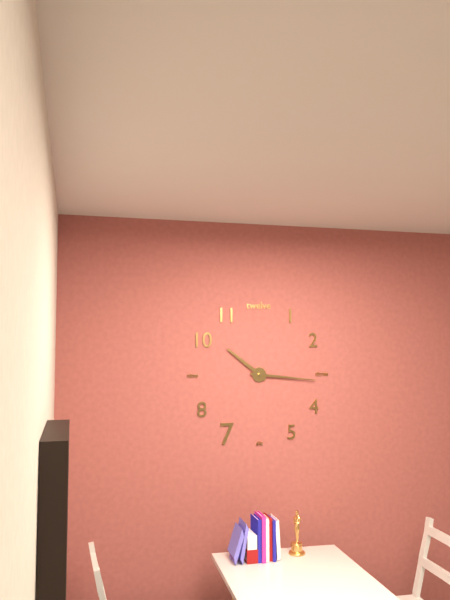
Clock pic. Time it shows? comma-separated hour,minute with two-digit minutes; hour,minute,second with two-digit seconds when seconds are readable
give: 10,16
